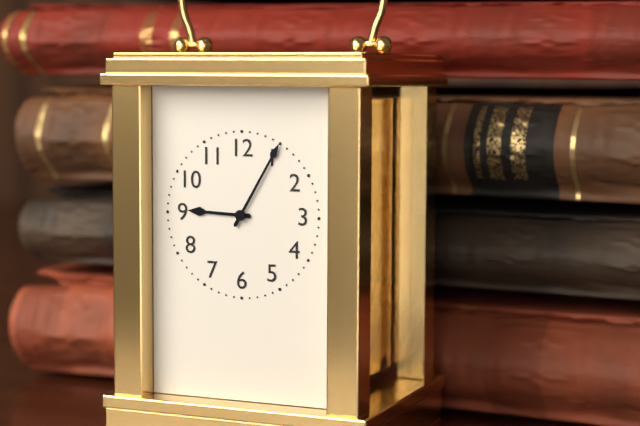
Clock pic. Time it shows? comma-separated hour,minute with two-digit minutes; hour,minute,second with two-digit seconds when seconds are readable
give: 9,05
